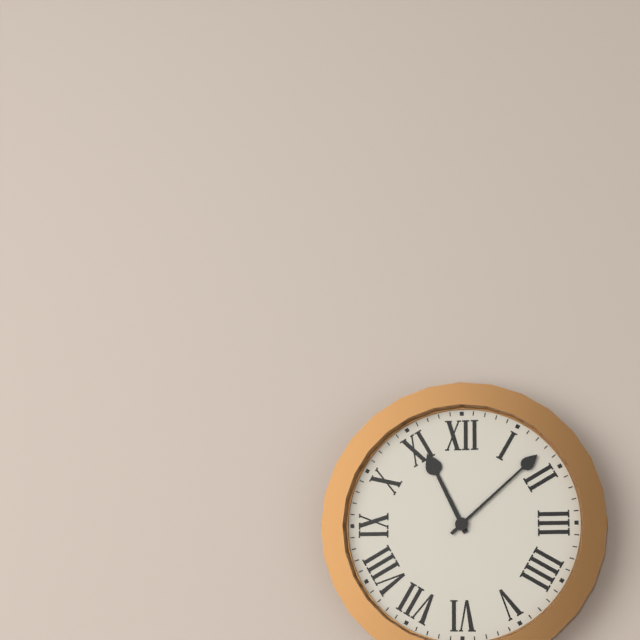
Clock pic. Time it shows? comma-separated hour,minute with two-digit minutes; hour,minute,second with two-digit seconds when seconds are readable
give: 11,08
